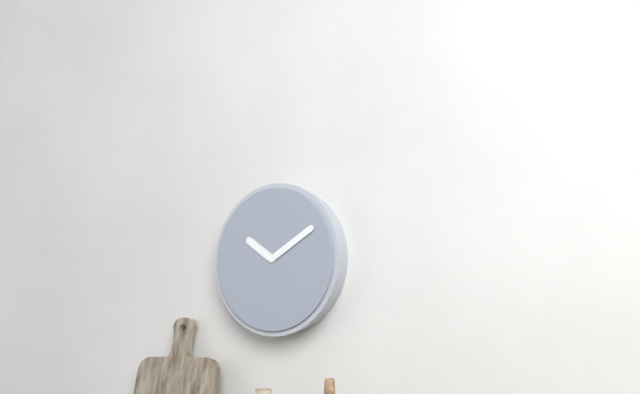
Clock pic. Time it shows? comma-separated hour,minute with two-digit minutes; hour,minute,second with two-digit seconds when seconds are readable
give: 10,10
